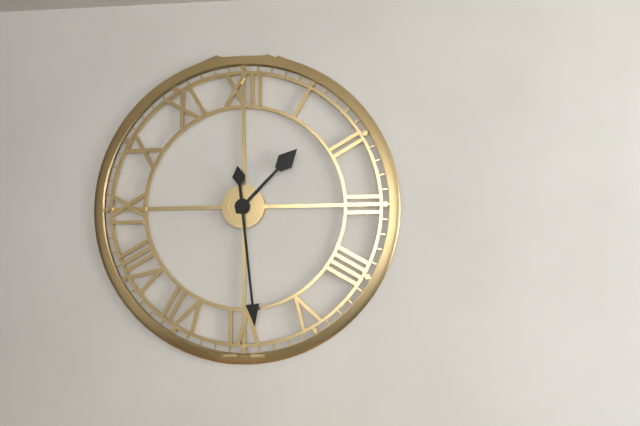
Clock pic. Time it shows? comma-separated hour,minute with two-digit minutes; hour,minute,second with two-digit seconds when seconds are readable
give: 1,29
